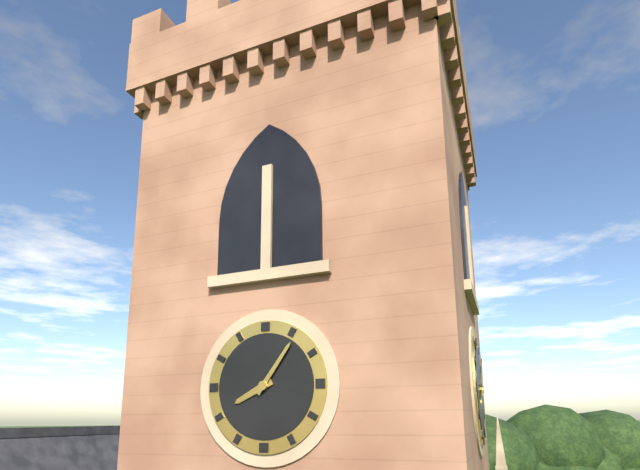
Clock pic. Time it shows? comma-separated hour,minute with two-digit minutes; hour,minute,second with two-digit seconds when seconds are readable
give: 8,06
